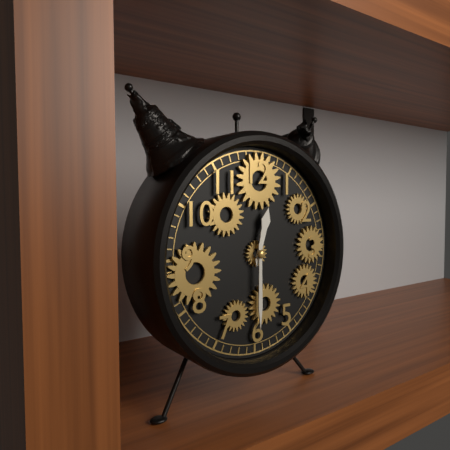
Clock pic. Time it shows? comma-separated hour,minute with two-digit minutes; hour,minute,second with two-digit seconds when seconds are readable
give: 12,30
